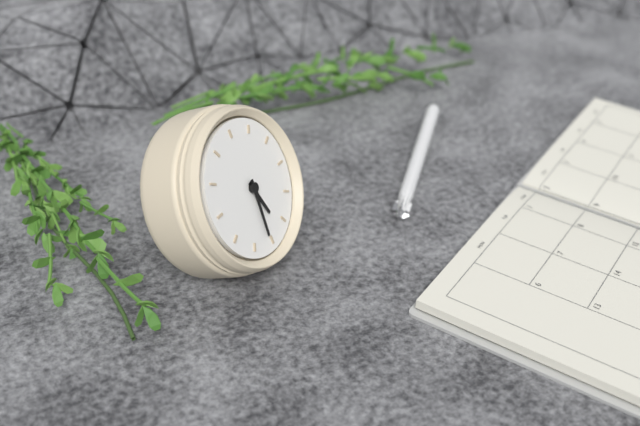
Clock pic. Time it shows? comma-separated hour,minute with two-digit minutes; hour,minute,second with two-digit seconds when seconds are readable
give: 4,26
